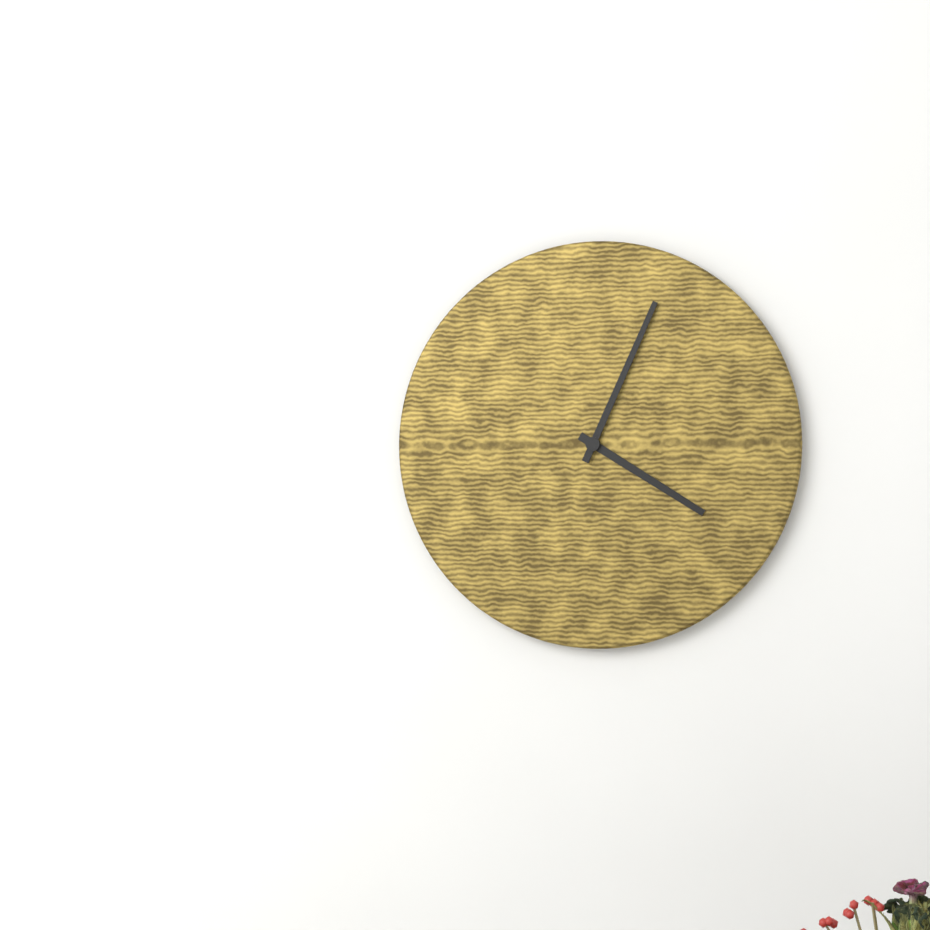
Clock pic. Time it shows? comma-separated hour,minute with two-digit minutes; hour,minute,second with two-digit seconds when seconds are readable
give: 4,04
